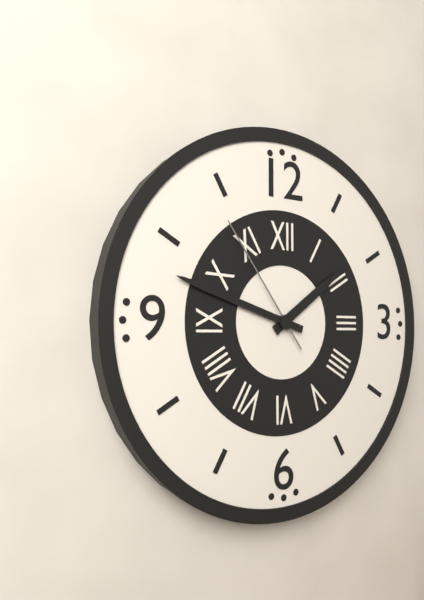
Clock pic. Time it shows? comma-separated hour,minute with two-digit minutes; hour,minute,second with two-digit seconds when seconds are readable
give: 1,48,54
